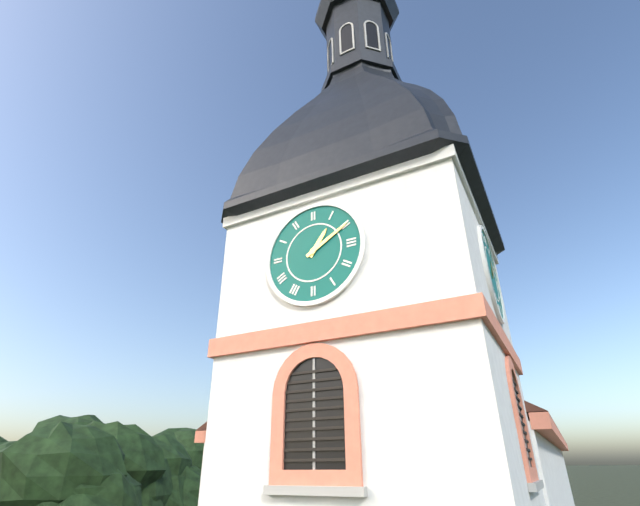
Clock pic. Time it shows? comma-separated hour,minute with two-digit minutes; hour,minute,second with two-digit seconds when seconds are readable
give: 1,10
